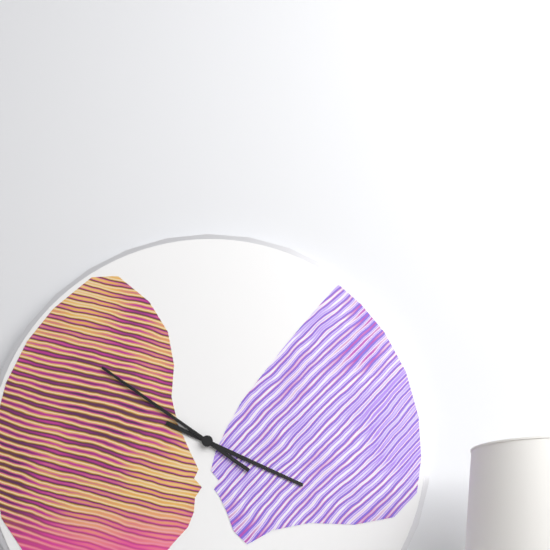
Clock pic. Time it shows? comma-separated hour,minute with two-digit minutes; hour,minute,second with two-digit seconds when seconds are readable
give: 3,51
